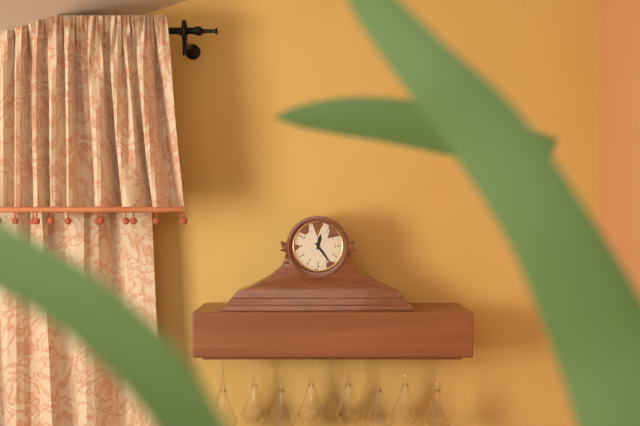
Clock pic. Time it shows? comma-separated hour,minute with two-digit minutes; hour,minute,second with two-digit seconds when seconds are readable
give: 12,24
